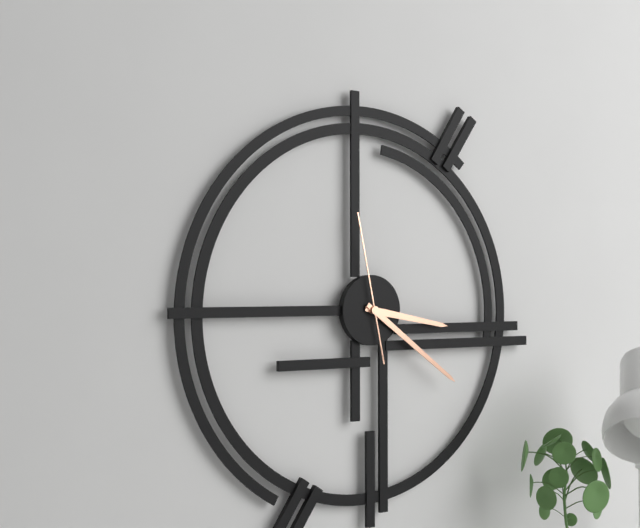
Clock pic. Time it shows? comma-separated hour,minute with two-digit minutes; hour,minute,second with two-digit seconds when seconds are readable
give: 3,21,58
